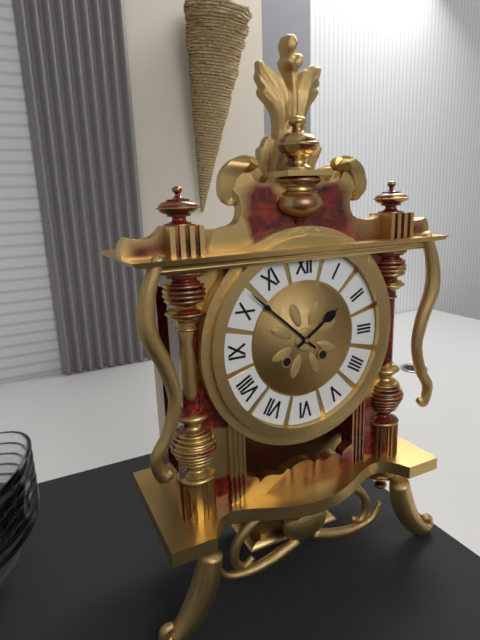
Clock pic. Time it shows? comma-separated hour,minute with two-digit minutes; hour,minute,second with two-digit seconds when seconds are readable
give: 1,52
